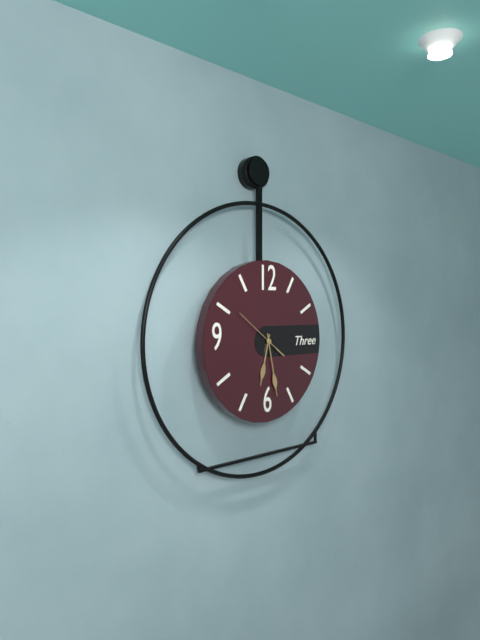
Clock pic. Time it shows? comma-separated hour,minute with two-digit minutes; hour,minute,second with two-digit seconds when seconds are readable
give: 6,28
